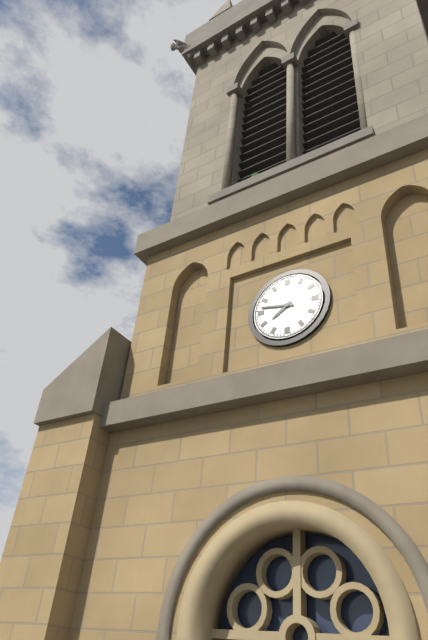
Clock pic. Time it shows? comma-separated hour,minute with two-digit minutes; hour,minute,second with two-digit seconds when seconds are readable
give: 7,47
